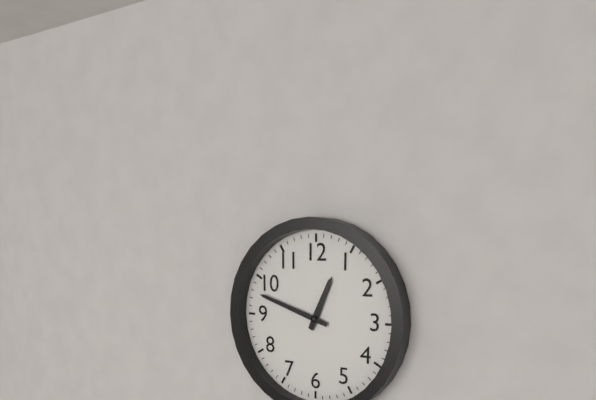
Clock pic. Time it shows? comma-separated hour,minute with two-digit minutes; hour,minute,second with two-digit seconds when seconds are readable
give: 12,48
